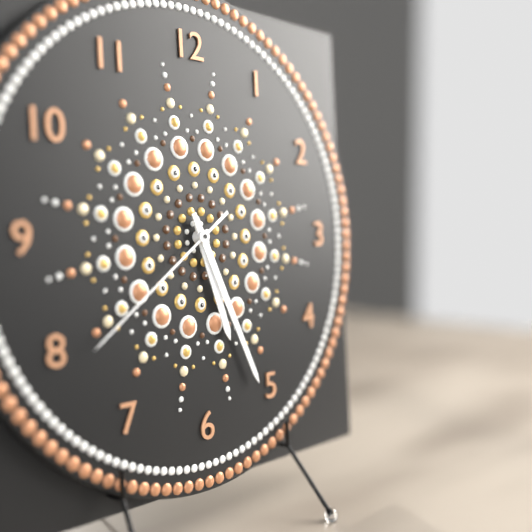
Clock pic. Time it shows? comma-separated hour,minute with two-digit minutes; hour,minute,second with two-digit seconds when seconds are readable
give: 5,26,39
